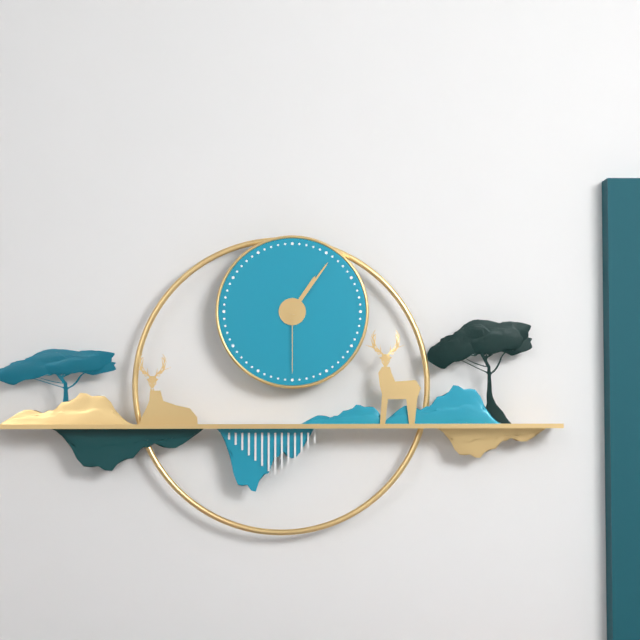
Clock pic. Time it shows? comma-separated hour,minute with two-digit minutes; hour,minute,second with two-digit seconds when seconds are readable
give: 1,06,30
